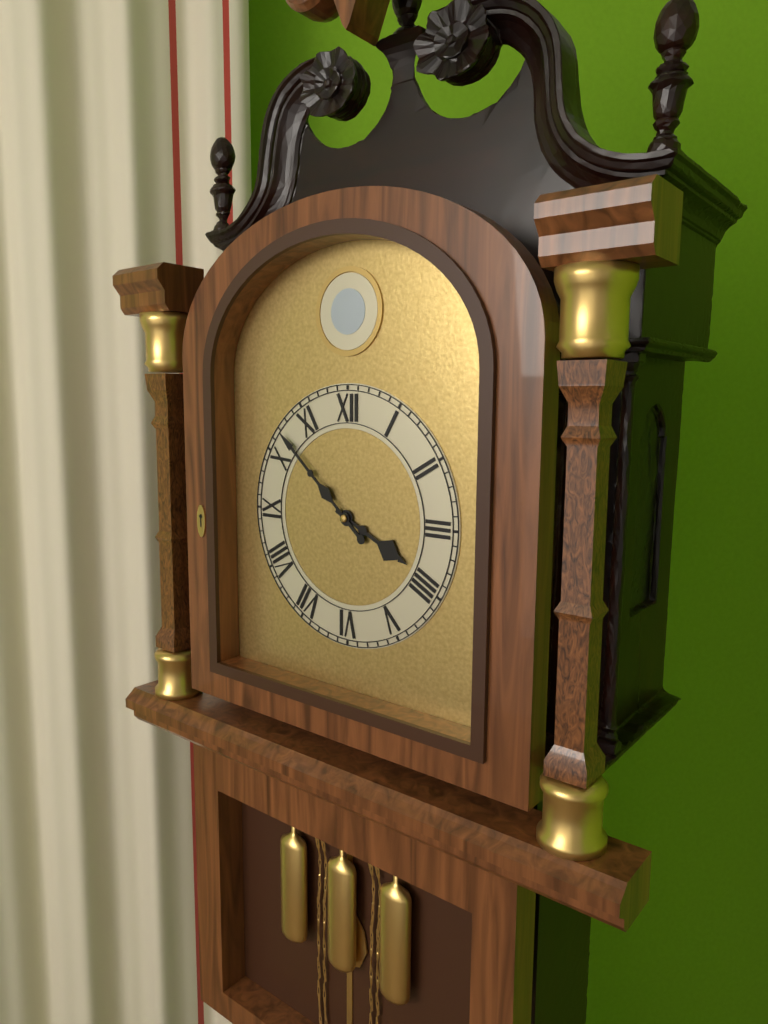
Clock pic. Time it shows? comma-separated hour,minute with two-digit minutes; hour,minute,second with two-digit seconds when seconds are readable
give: 3,52
